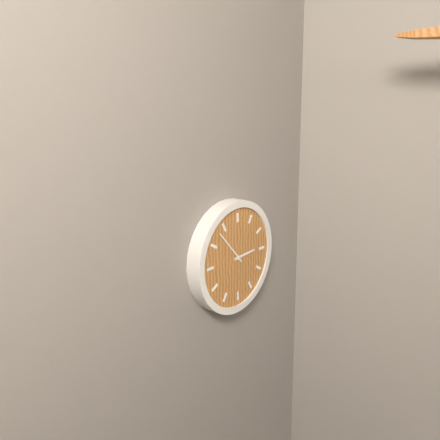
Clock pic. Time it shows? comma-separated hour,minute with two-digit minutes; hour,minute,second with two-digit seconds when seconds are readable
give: 2,53
